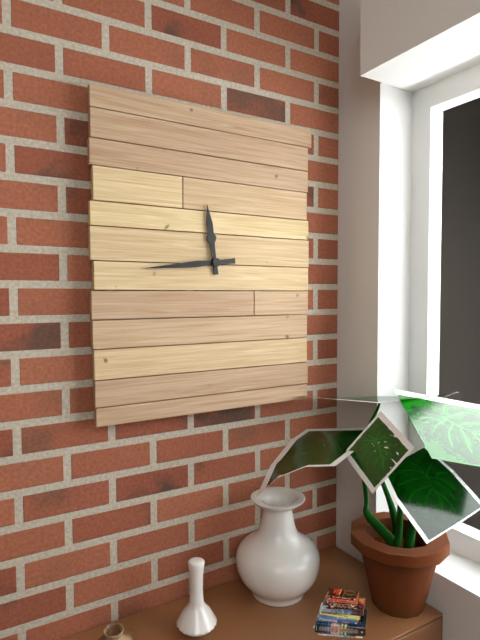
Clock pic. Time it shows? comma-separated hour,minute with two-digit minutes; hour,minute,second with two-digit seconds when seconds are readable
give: 11,44
